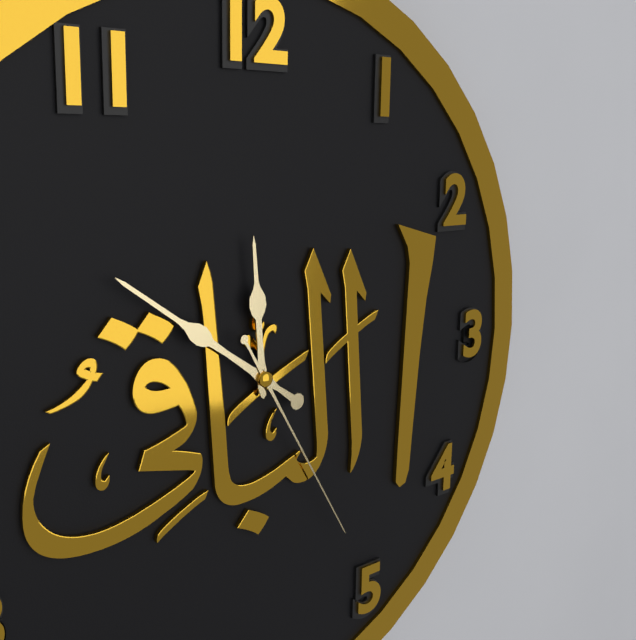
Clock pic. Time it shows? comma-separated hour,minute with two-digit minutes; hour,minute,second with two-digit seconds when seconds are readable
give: 11,51,25
